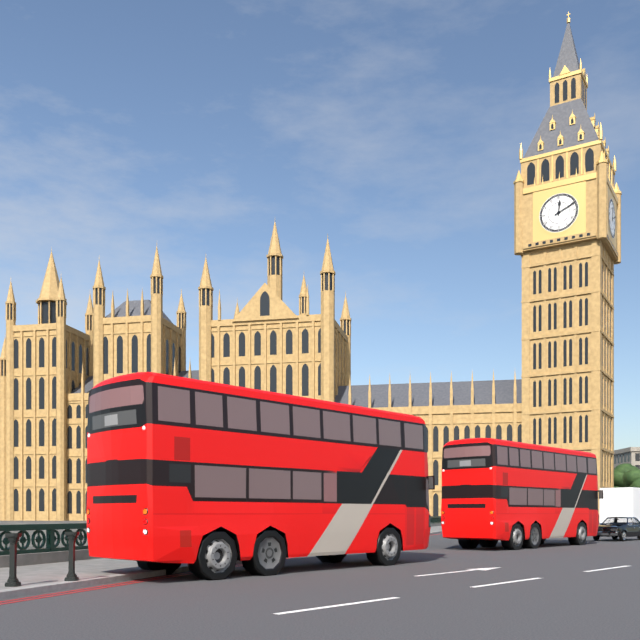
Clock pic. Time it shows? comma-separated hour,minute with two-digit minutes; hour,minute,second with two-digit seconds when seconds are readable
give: 12,11
